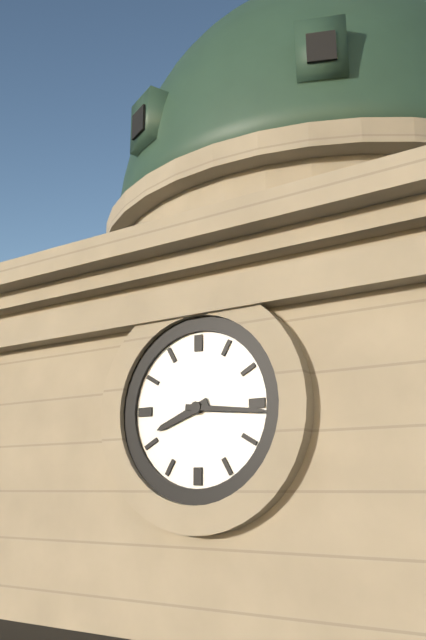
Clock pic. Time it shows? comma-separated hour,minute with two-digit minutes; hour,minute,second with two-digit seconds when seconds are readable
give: 8,16
